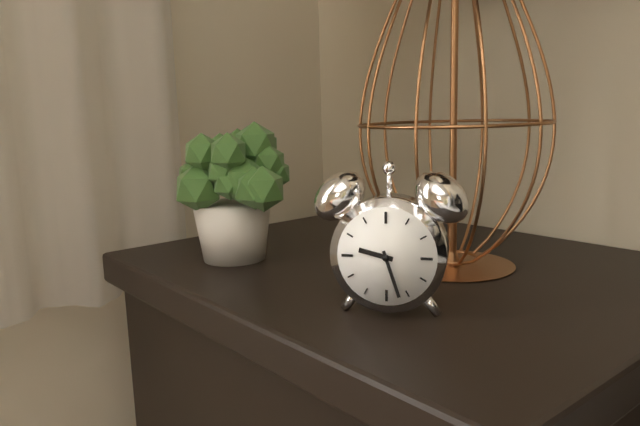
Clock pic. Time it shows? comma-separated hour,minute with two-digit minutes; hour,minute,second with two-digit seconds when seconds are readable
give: 9,27
